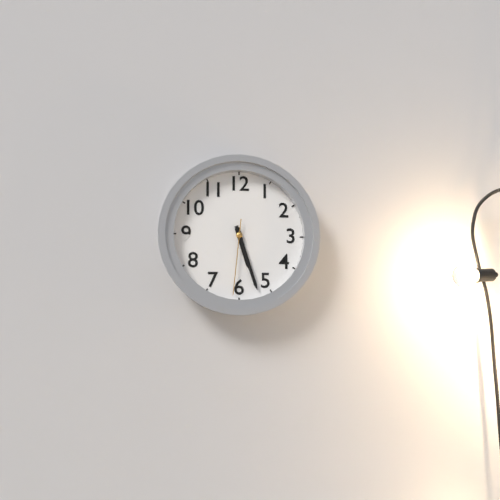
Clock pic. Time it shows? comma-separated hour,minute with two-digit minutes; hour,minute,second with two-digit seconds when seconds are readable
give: 5,27,31
